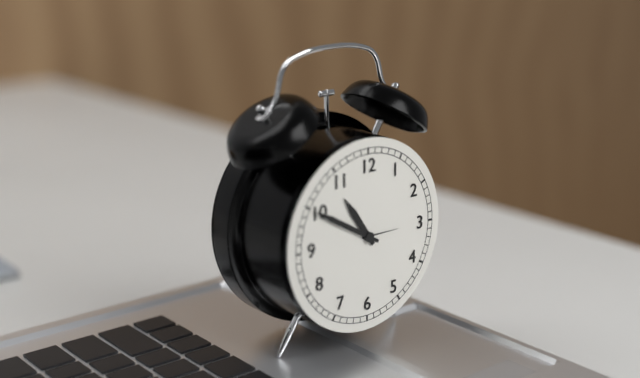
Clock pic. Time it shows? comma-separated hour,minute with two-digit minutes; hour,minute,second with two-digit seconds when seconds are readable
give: 10,50
